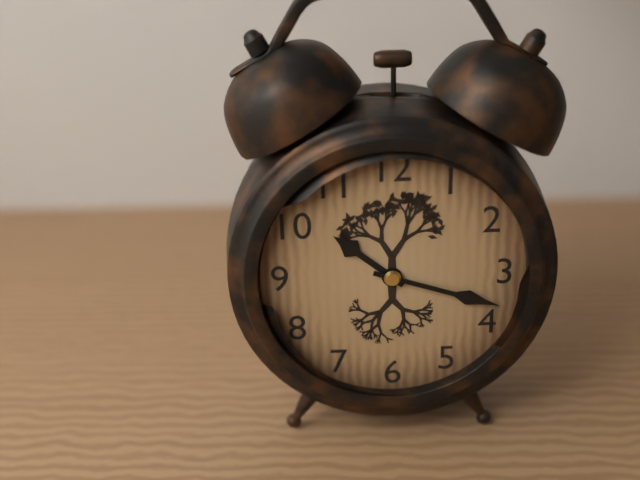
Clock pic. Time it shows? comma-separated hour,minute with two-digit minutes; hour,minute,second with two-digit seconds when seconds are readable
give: 10,18
